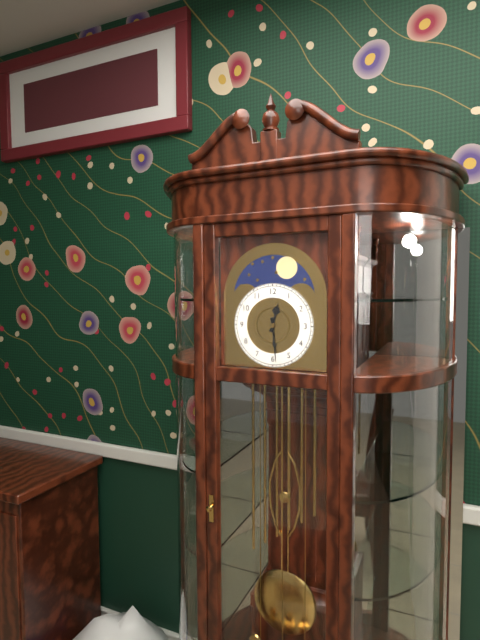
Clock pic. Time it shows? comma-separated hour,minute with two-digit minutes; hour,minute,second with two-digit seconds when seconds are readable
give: 12,29
